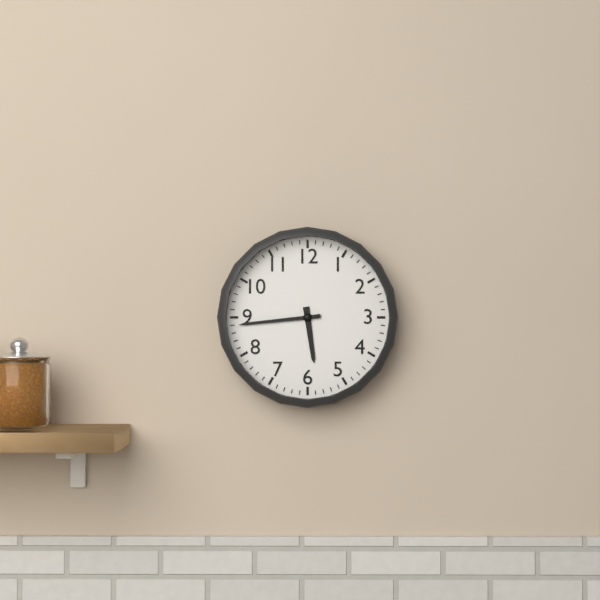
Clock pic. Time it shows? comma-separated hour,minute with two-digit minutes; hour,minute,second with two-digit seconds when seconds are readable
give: 5,44
